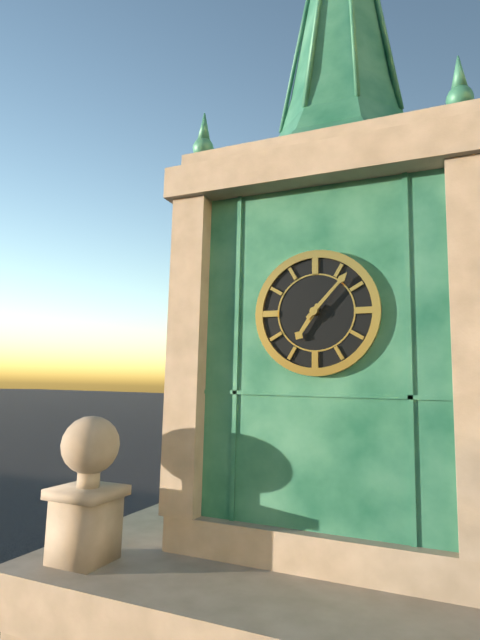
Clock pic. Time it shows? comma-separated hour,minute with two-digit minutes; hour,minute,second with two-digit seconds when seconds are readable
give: 7,07
